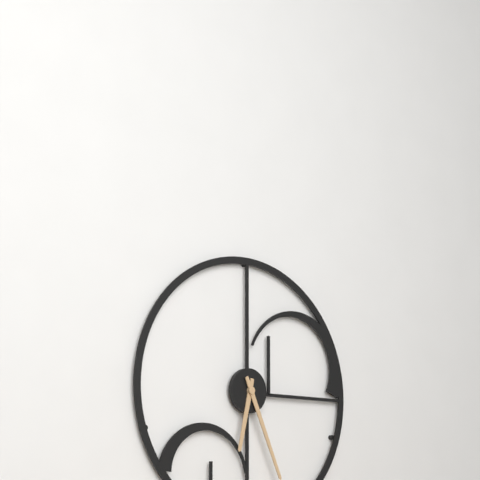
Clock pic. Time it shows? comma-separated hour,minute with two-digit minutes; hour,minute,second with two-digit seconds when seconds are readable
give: 6,26
